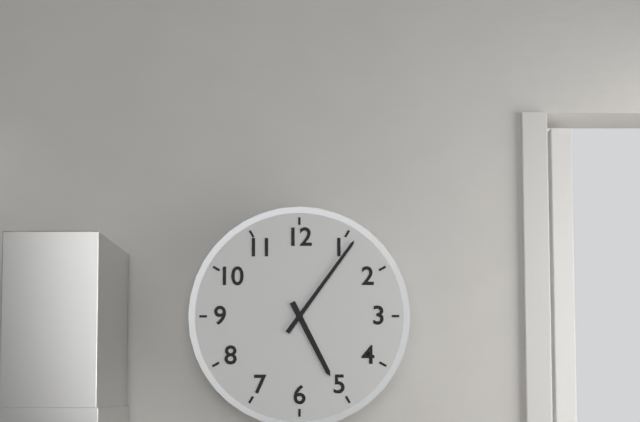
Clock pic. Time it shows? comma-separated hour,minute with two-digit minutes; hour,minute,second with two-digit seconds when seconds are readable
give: 5,06
